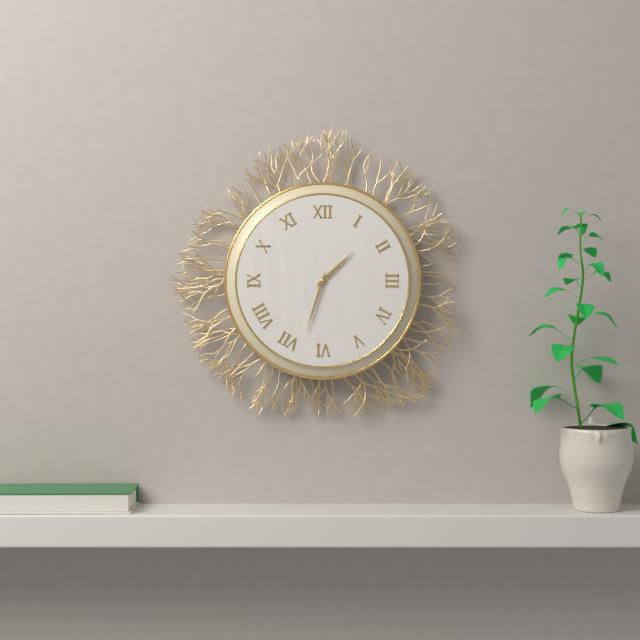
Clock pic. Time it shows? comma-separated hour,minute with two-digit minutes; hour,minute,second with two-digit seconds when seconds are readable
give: 1,33
